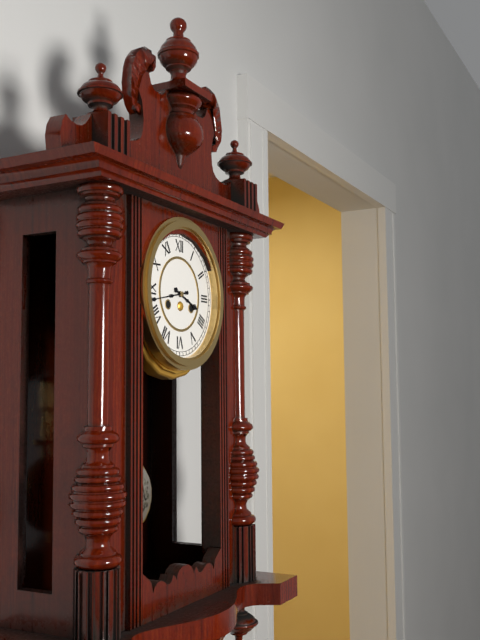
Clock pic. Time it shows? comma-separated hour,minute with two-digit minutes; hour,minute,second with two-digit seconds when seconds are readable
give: 3,43
